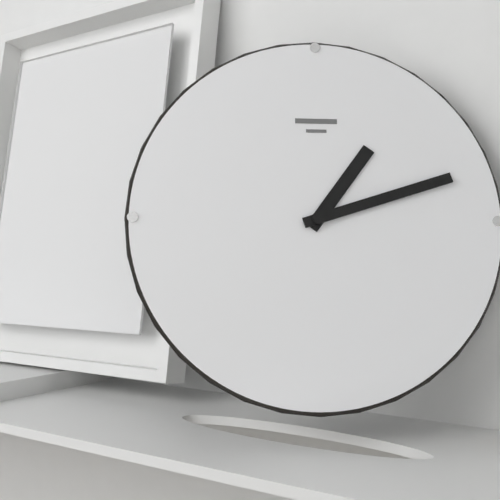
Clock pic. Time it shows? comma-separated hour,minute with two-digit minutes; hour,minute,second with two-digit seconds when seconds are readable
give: 1,12
